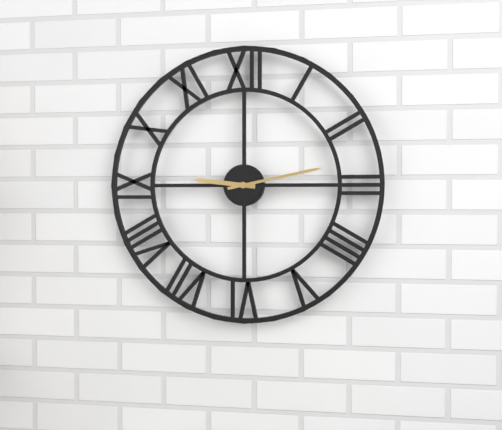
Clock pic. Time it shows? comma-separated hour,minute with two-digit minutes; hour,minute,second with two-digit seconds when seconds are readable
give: 9,13
